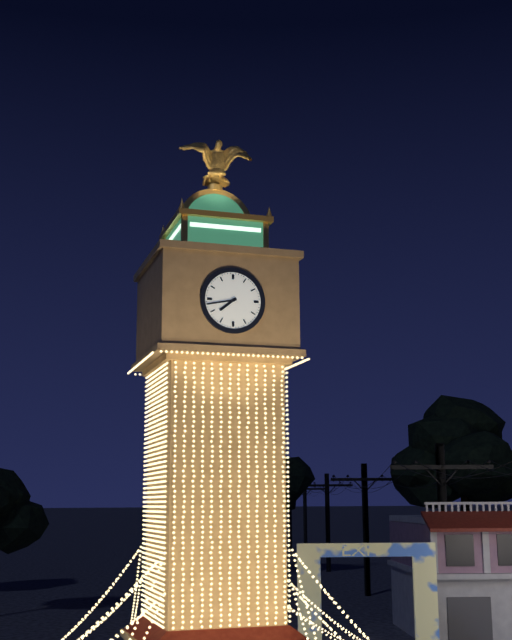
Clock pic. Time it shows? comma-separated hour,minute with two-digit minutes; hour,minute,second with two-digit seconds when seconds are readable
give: 7,43
